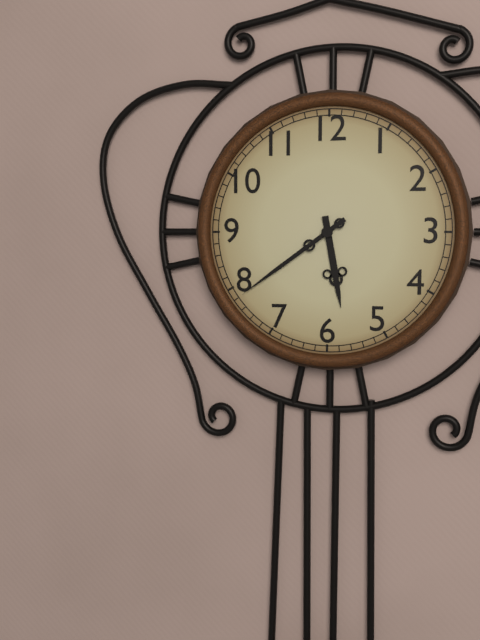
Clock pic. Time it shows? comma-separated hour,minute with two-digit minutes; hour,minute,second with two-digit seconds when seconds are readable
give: 5,39
